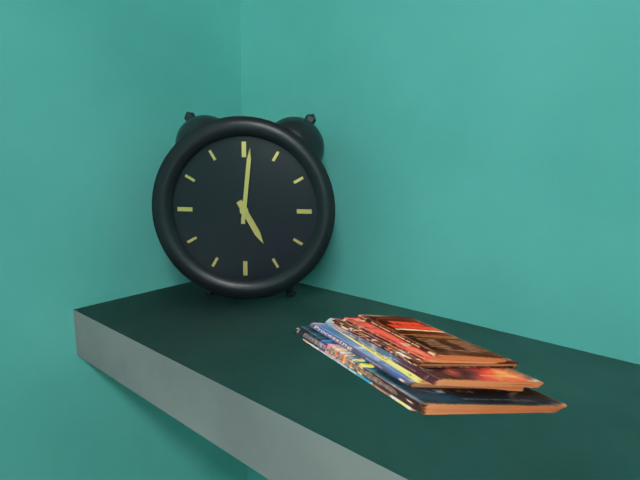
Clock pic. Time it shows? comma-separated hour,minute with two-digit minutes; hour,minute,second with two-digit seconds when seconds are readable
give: 5,01
